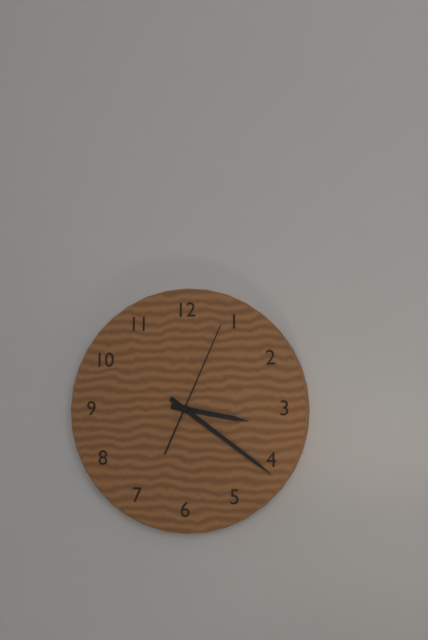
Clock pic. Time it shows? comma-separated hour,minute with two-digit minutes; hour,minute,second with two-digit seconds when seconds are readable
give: 3,21,04
